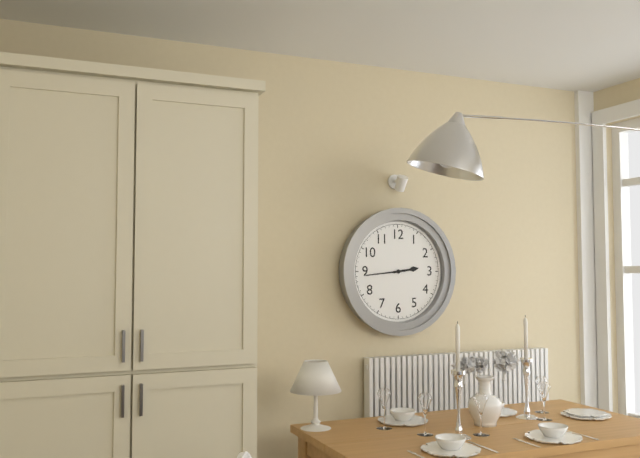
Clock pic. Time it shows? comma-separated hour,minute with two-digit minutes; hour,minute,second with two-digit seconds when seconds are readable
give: 2,44
